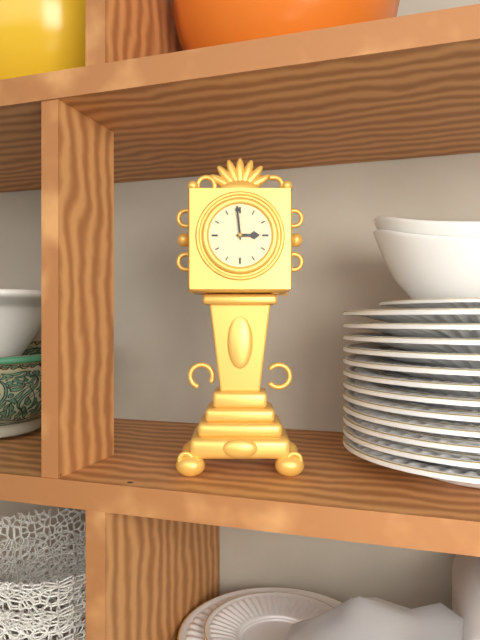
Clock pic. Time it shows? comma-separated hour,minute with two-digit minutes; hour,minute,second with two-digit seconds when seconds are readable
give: 2,59
